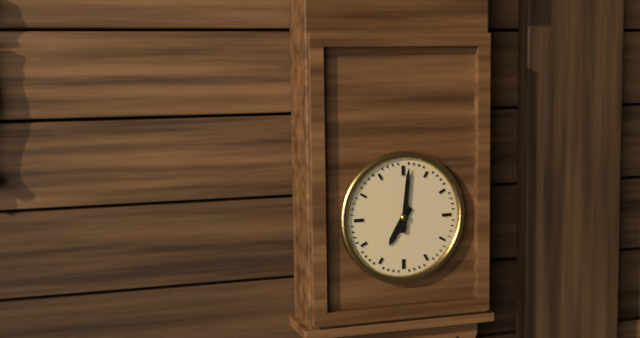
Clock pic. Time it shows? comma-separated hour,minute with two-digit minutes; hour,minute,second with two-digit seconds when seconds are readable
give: 7,01
